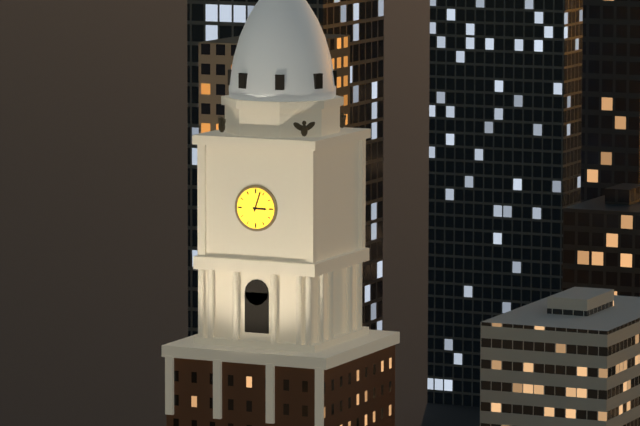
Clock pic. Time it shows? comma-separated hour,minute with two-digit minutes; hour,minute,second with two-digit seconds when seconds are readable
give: 3,03
